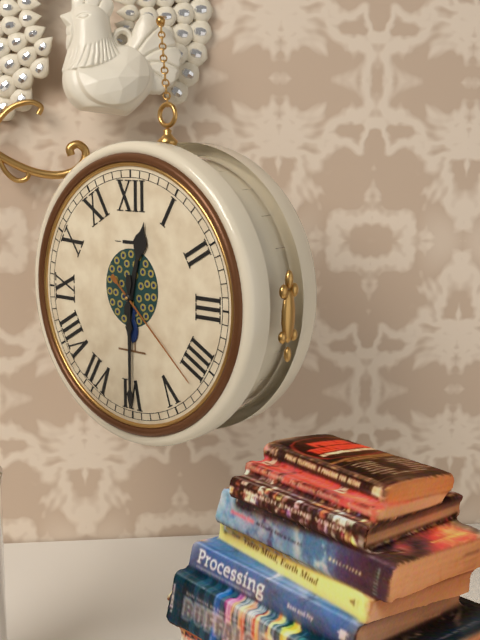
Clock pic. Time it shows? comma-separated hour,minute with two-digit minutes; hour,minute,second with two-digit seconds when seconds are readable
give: 12,30,22
